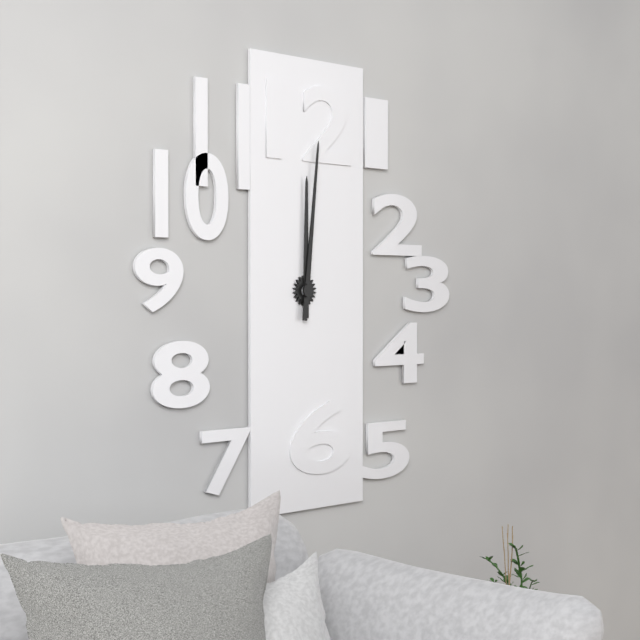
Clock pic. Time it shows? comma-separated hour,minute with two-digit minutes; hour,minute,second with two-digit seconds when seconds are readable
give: 12,01
